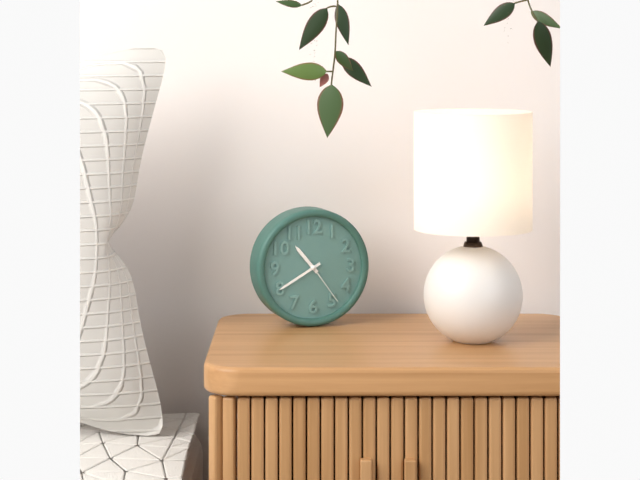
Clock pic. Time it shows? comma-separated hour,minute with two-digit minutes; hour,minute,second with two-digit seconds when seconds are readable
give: 10,40,24
